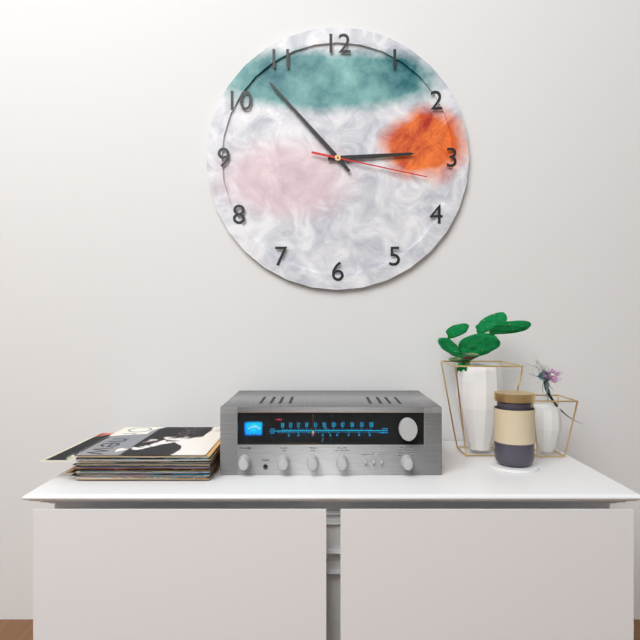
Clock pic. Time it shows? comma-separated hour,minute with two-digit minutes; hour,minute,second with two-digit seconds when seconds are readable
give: 2,53,17
